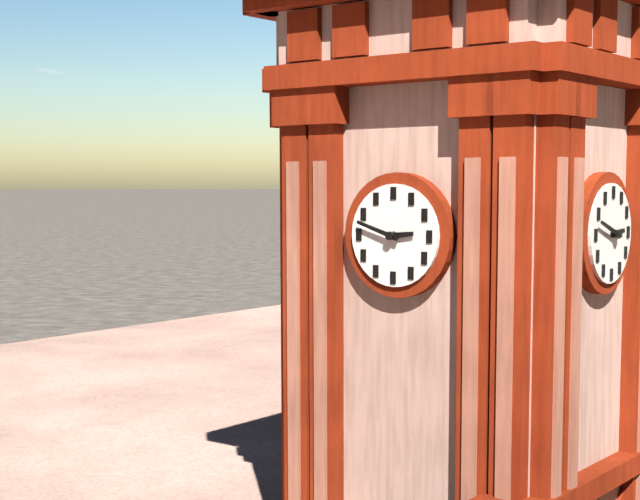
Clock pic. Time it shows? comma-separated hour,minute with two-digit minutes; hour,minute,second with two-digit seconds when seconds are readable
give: 2,48
